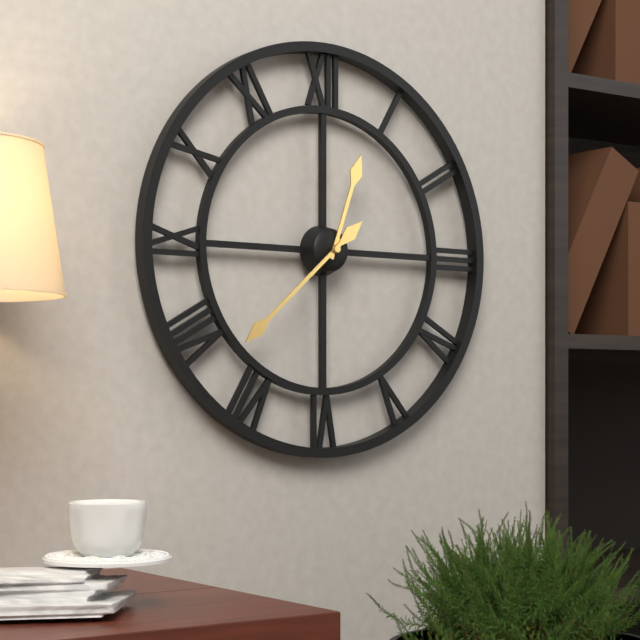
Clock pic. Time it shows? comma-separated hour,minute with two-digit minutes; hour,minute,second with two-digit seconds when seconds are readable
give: 12,38
